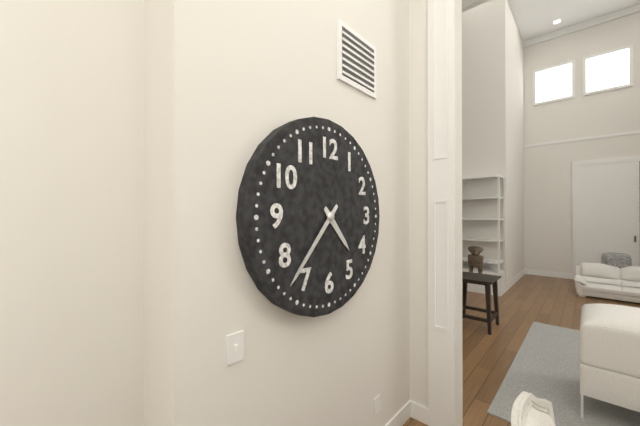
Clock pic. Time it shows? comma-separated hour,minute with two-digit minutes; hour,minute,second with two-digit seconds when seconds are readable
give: 4,37
